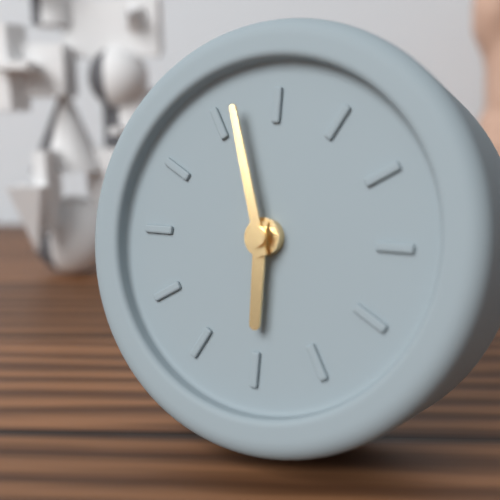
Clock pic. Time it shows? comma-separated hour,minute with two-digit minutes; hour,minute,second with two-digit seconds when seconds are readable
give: 5,57
